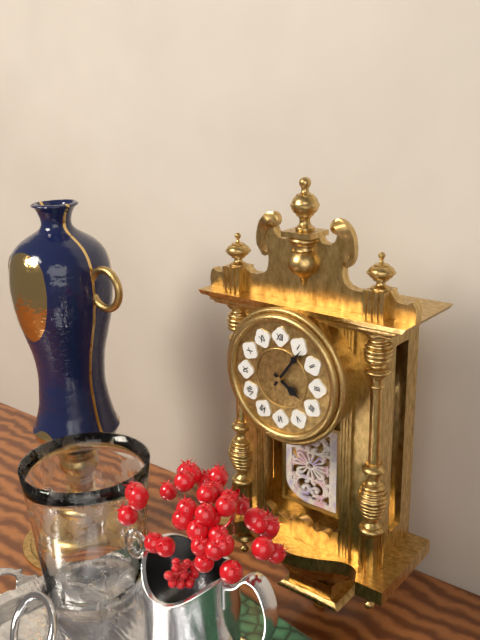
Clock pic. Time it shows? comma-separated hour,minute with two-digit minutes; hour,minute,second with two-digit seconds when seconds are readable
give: 4,06
